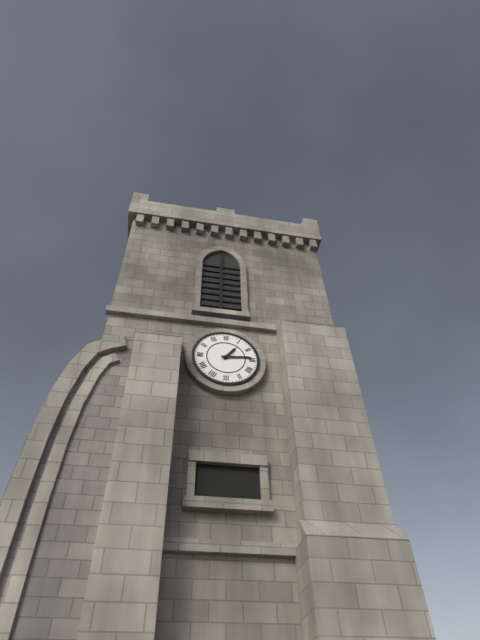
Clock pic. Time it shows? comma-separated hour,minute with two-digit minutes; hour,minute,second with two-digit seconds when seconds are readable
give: 1,14
